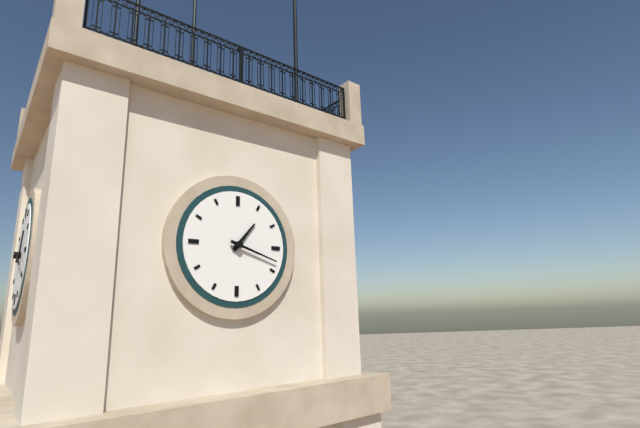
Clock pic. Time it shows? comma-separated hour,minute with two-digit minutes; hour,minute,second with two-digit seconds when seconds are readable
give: 1,18
